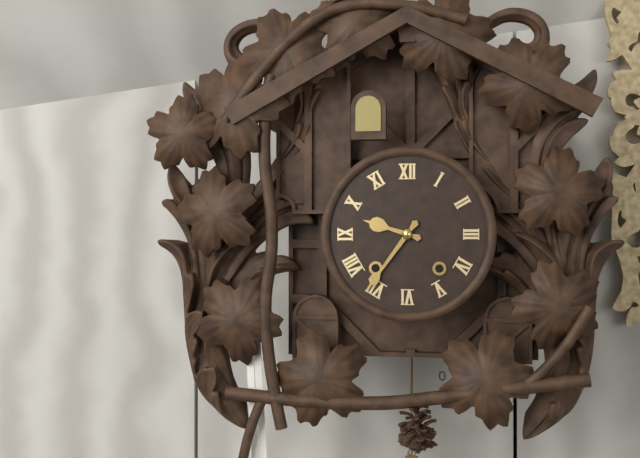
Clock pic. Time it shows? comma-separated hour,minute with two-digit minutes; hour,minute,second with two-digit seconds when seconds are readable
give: 9,36
